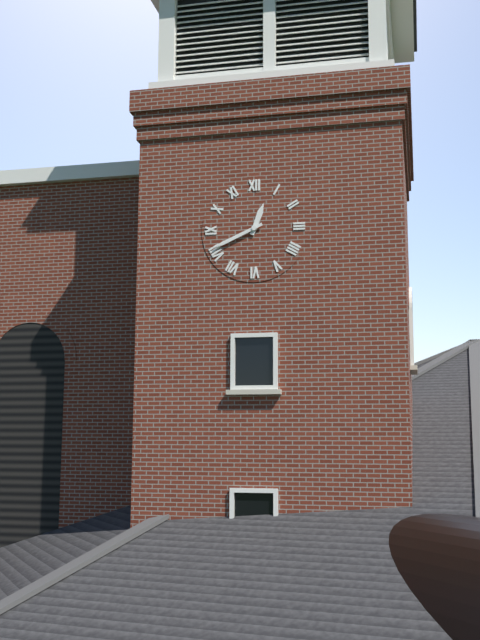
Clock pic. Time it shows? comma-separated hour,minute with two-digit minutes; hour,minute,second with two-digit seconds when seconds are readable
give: 12,41
